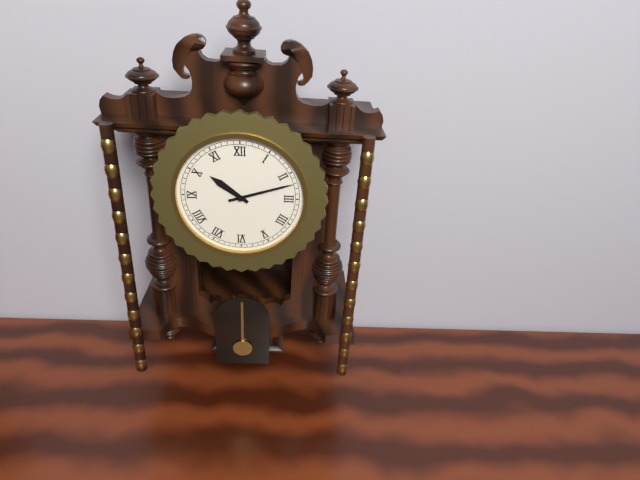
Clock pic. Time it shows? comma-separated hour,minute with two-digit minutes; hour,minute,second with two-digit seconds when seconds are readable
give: 10,12
